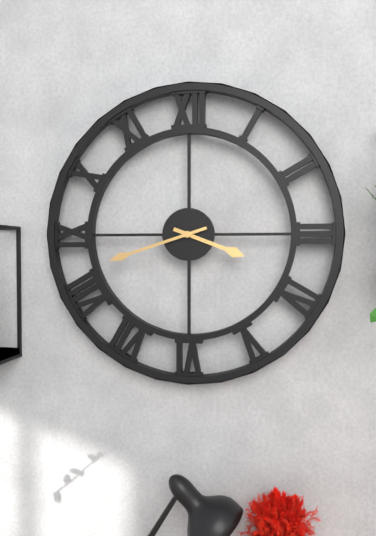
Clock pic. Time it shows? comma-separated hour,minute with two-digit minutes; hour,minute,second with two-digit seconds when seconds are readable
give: 3,42
